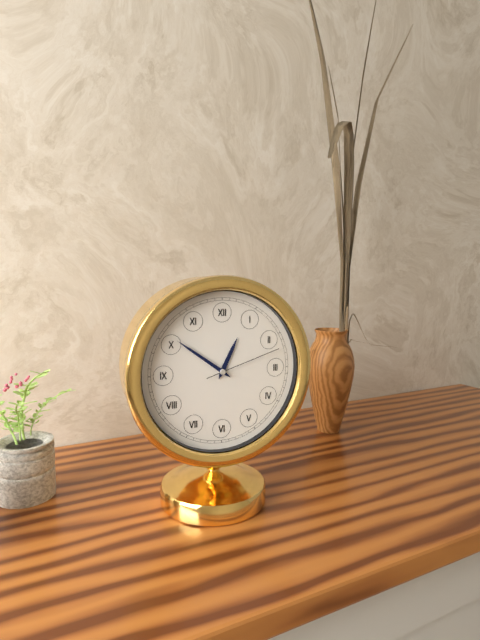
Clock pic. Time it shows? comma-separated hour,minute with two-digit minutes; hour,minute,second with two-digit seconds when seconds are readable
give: 12,51,12
